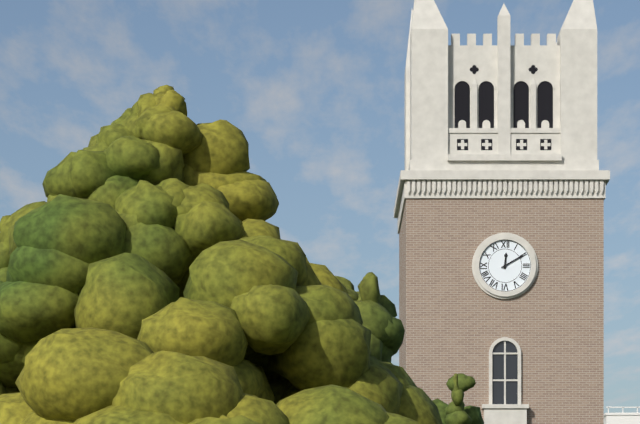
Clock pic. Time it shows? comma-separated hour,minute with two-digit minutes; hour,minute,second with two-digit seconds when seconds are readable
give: 12,10
